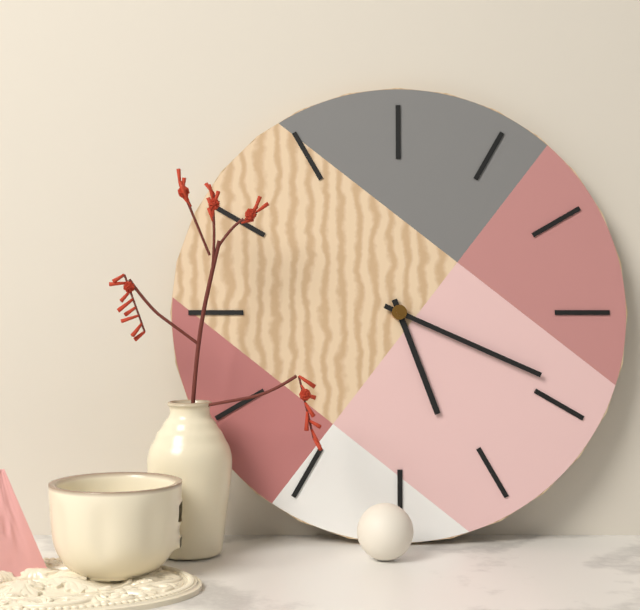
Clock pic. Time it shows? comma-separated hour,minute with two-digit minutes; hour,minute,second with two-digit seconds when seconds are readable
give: 5,19
